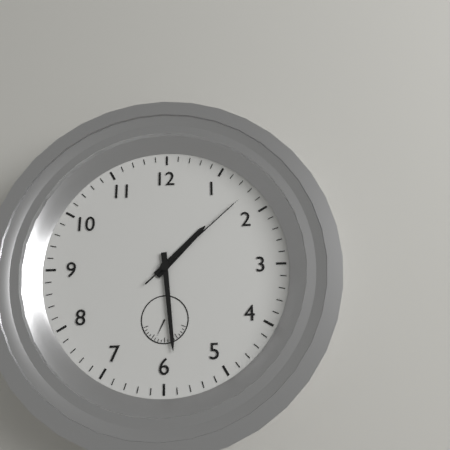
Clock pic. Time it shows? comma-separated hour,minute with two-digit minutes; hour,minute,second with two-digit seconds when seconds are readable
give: 1,29,08
